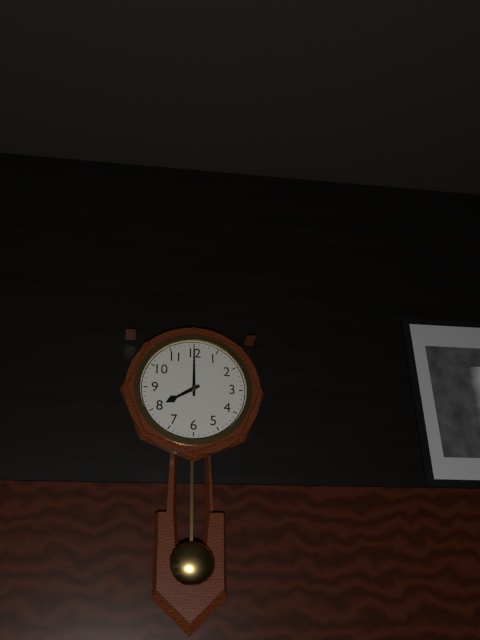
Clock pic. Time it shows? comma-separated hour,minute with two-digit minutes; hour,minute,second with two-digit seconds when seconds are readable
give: 8,00
